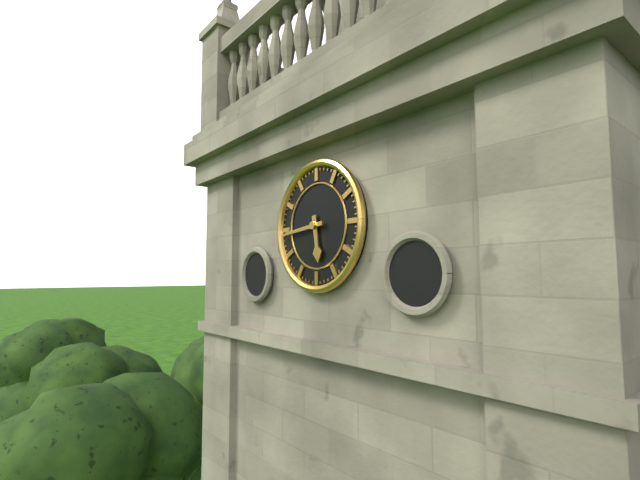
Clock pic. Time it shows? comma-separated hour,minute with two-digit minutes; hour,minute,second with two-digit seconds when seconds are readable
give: 5,44
